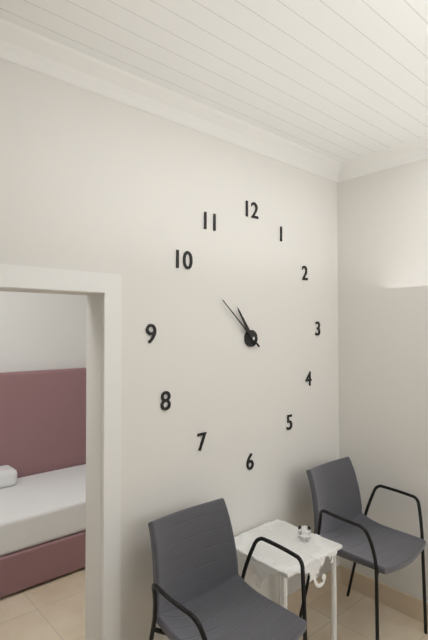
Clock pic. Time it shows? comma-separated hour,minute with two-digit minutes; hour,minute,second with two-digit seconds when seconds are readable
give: 10,52
